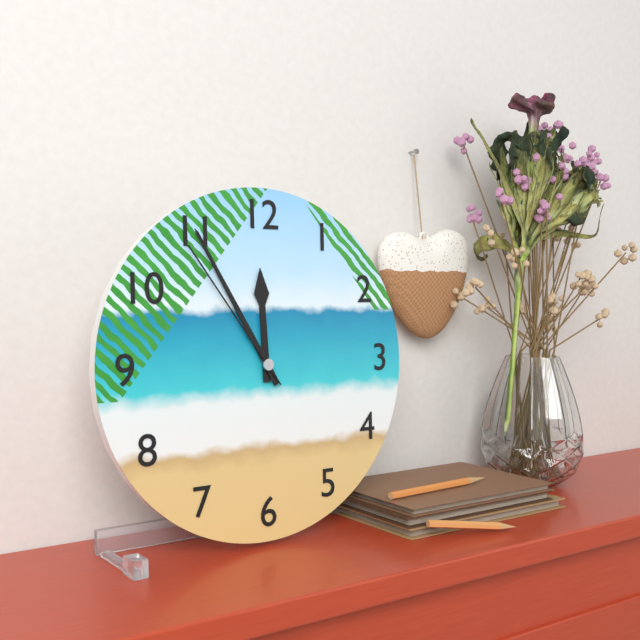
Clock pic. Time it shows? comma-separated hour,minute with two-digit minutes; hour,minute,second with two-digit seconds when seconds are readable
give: 11,55,54
